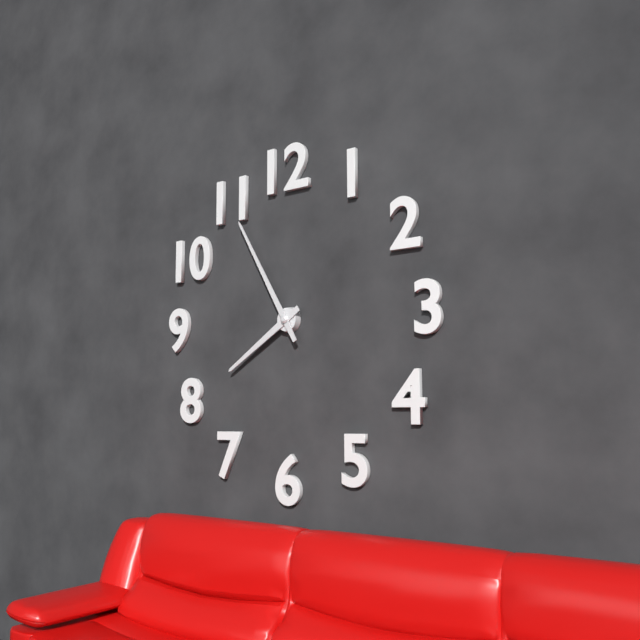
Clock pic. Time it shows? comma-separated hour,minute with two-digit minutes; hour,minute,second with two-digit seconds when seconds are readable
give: 7,55
